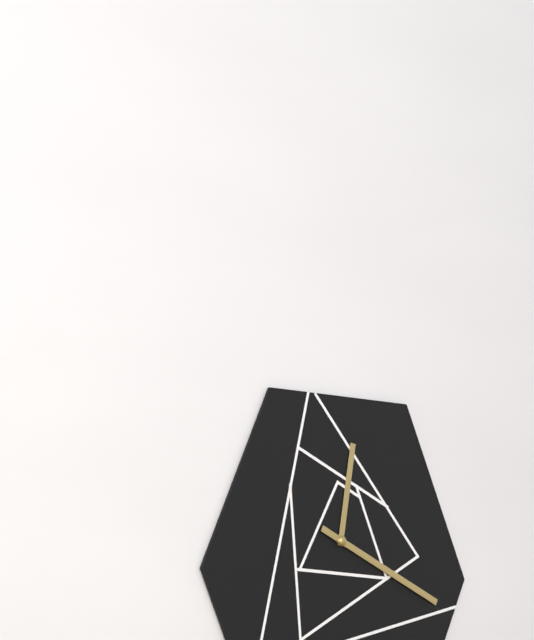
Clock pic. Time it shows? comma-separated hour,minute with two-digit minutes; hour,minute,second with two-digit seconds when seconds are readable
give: 12,19
